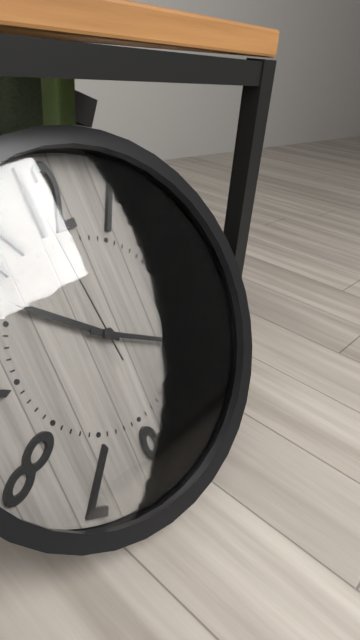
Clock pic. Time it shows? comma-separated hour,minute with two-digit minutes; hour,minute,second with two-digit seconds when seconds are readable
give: 10,20,59
